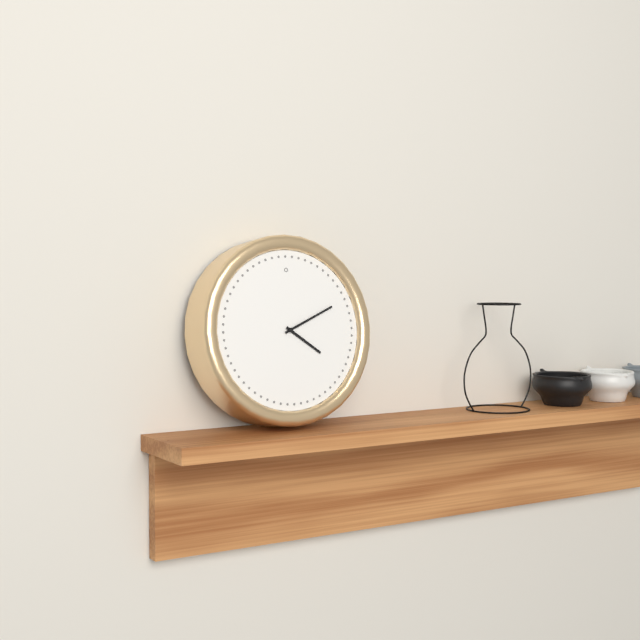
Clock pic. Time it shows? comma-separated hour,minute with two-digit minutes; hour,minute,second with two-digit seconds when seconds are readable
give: 4,11
